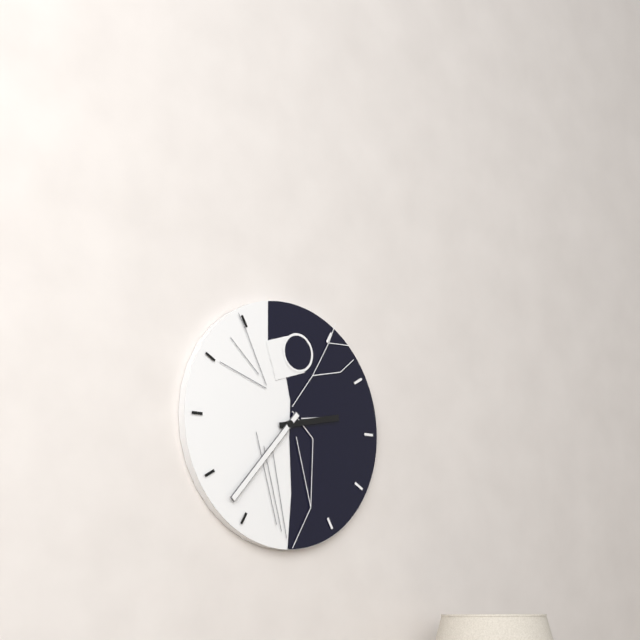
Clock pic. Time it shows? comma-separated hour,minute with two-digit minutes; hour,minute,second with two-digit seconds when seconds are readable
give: 2,37
